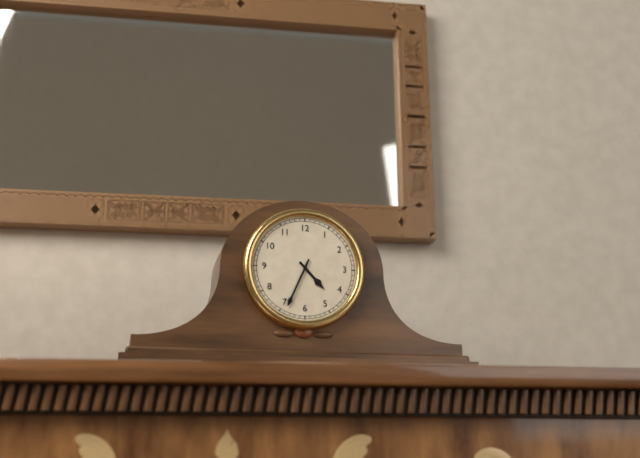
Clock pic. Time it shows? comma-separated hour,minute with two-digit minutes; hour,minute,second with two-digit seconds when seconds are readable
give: 4,34
